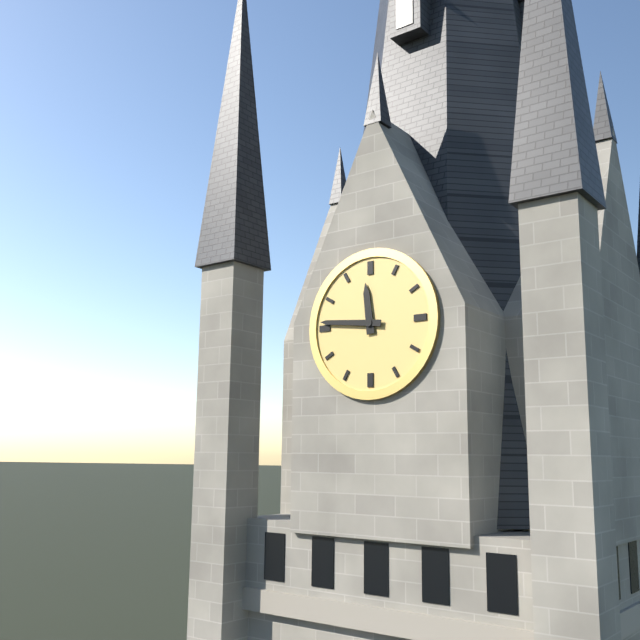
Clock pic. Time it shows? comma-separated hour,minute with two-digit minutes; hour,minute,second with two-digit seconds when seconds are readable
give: 11,46
